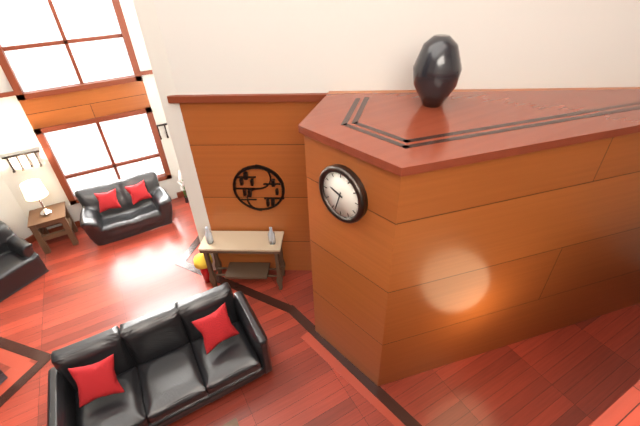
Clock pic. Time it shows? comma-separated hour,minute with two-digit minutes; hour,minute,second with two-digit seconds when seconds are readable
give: 9,33
